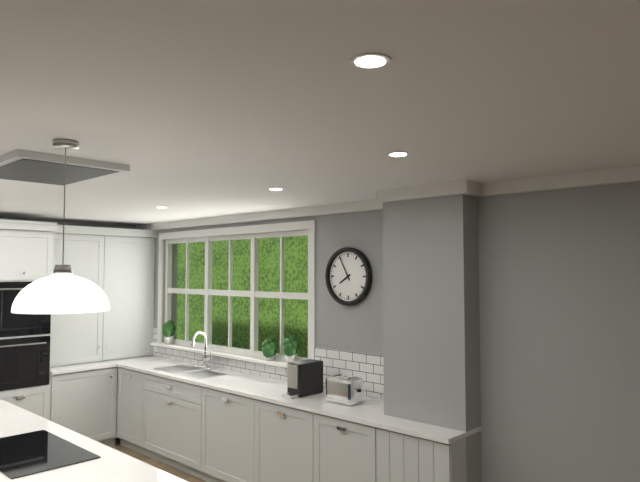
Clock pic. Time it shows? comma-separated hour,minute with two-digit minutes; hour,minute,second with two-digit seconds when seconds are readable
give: 7,55
